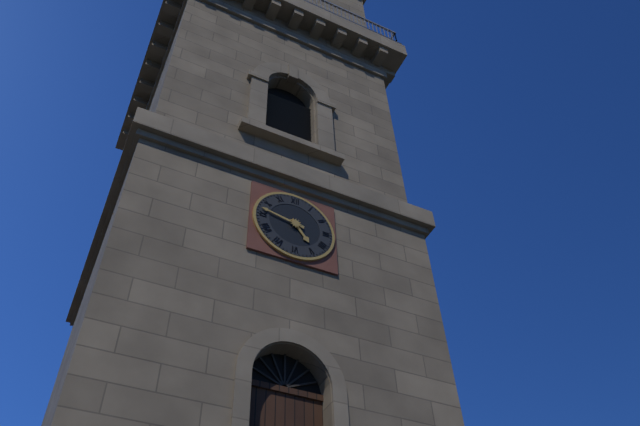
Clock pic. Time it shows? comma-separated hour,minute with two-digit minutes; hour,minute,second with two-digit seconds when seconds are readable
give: 4,47
